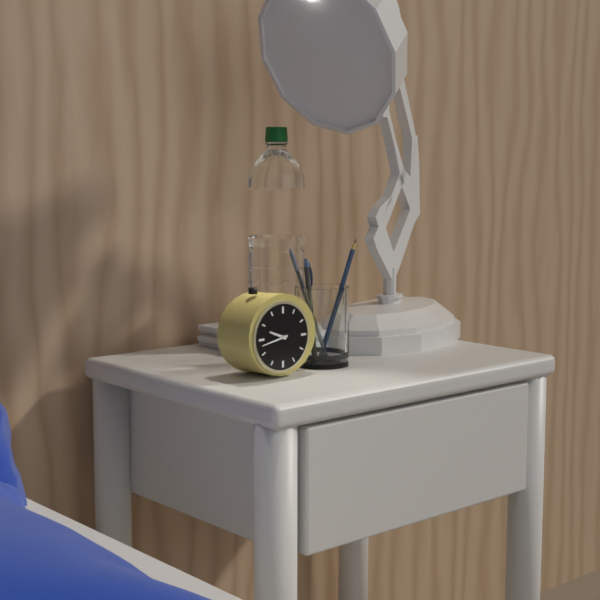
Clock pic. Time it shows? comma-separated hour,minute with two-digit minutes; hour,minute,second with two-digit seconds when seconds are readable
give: 9,43
